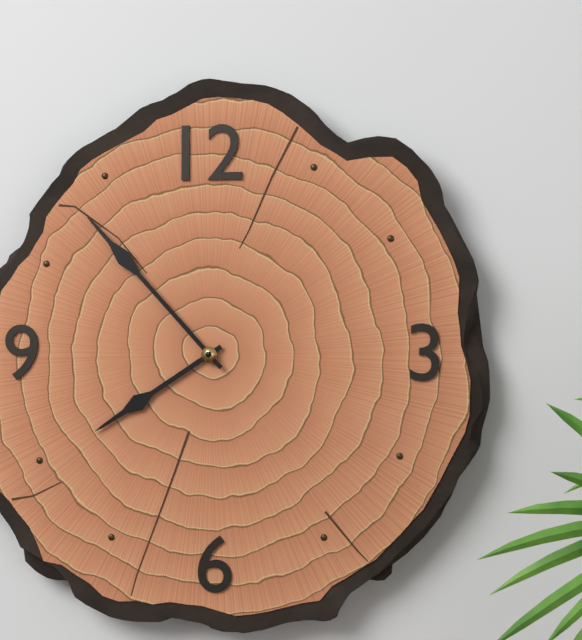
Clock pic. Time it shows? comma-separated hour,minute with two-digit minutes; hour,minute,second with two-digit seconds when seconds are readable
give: 7,53
